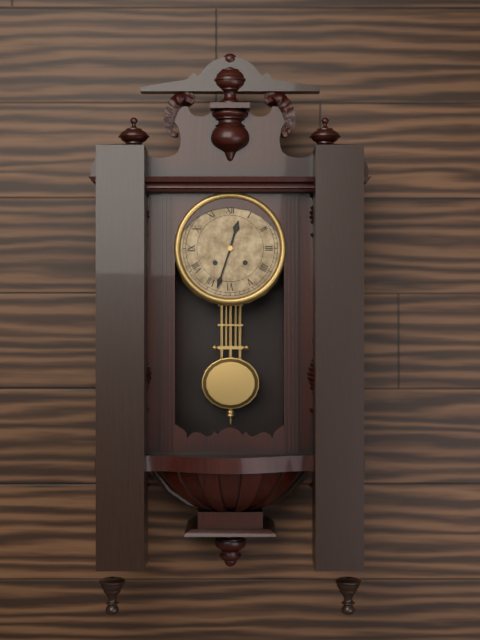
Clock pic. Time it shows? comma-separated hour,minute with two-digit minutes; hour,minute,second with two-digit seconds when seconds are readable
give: 12,33
